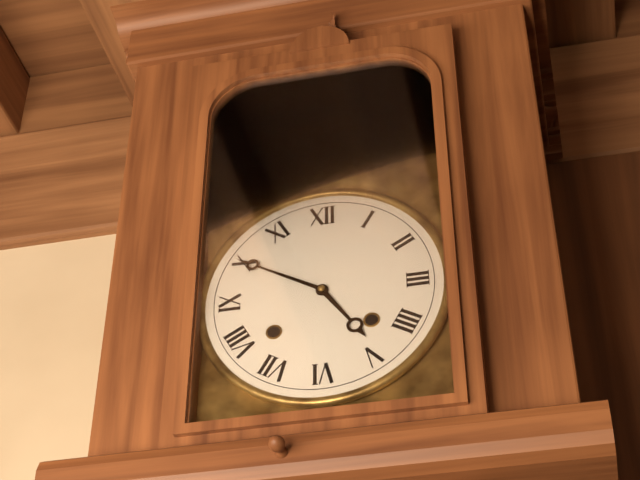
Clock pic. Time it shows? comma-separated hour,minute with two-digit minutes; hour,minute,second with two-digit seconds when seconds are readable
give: 4,50
